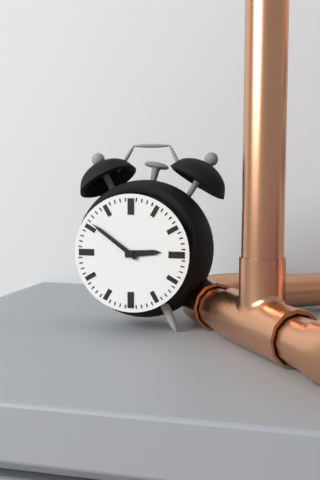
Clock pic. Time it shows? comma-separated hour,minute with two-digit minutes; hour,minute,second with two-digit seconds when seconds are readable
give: 2,51
